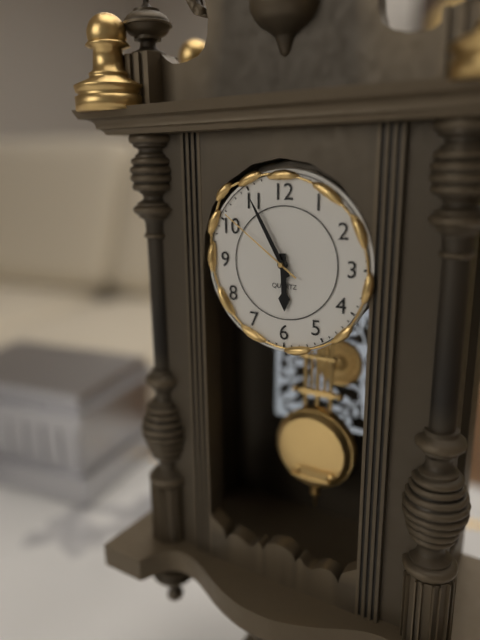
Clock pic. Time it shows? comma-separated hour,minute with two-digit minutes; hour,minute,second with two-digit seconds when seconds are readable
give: 5,55,51
